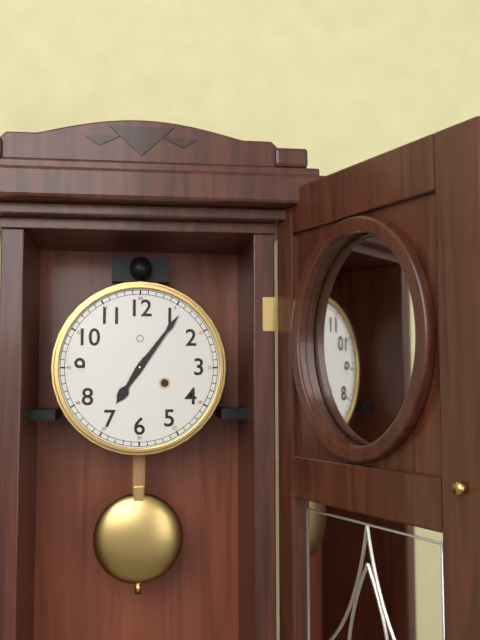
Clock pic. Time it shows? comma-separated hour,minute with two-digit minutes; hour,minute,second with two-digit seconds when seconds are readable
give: 7,06
